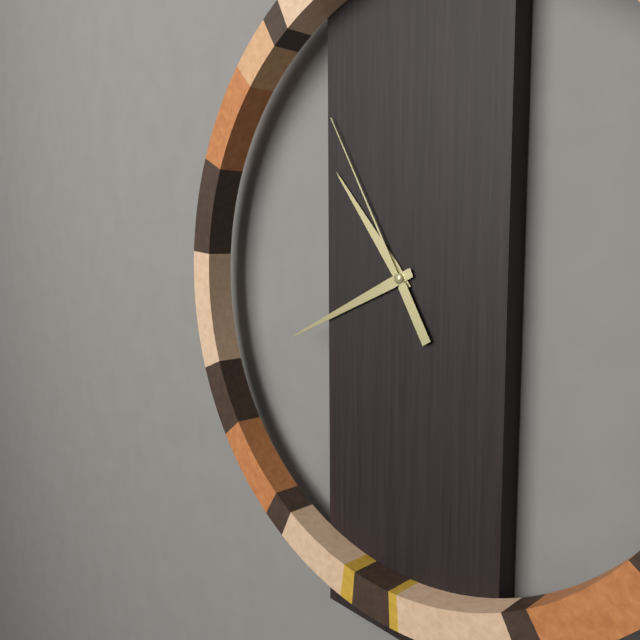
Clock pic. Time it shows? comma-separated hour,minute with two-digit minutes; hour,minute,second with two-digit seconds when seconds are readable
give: 10,41,55
